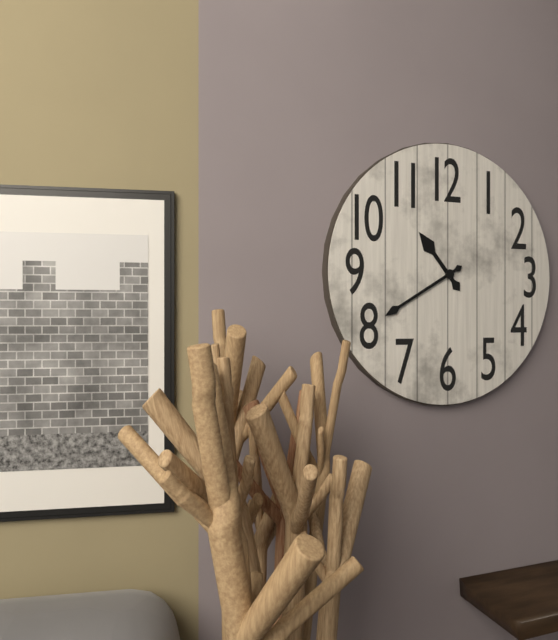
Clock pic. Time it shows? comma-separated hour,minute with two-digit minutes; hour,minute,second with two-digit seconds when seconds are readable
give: 10,40
